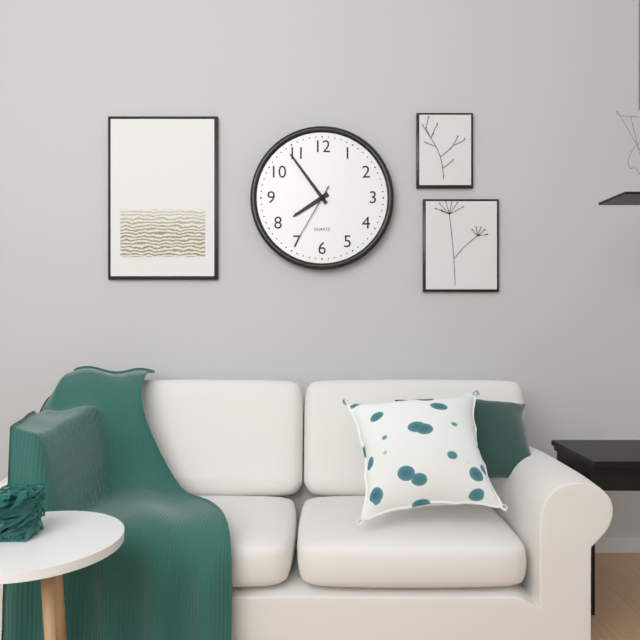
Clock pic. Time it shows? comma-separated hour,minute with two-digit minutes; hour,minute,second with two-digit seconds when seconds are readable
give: 7,54,35
